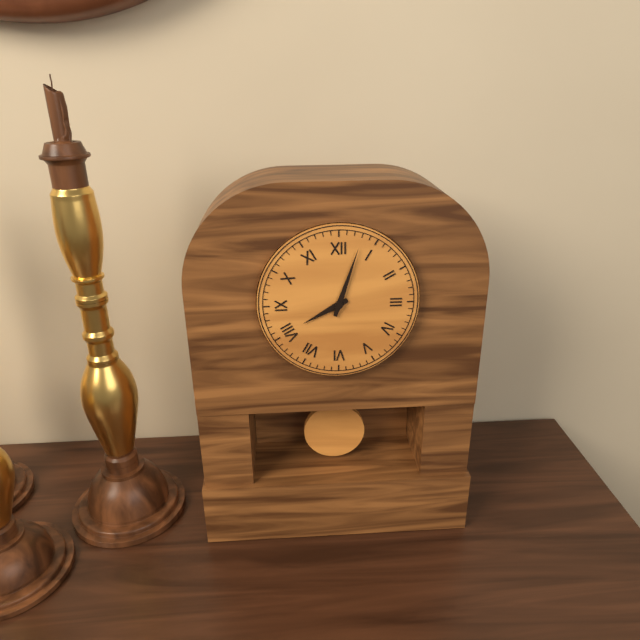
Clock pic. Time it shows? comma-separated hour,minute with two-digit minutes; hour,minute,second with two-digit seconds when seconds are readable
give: 8,03
